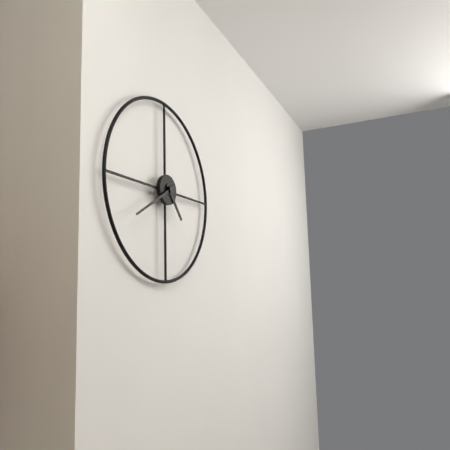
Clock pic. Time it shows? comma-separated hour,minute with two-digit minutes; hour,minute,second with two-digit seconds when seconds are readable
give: 4,40
